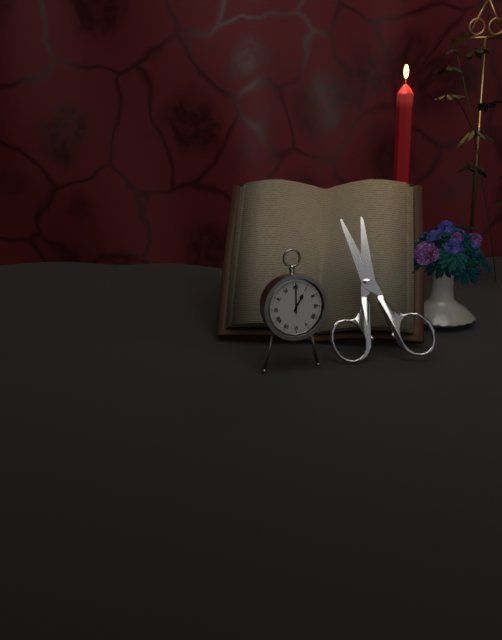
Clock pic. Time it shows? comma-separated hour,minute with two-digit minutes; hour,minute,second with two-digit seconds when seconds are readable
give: 1,00
